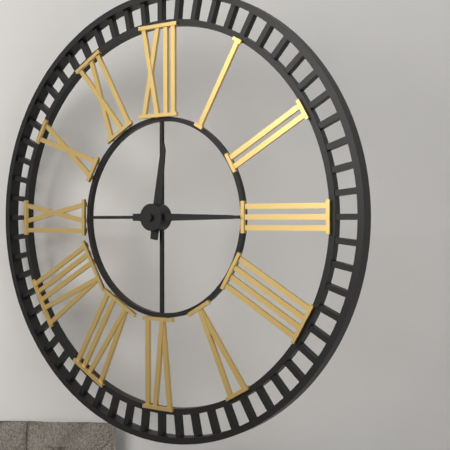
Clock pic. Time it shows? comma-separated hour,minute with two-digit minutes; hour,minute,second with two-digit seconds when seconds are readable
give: 12,15
